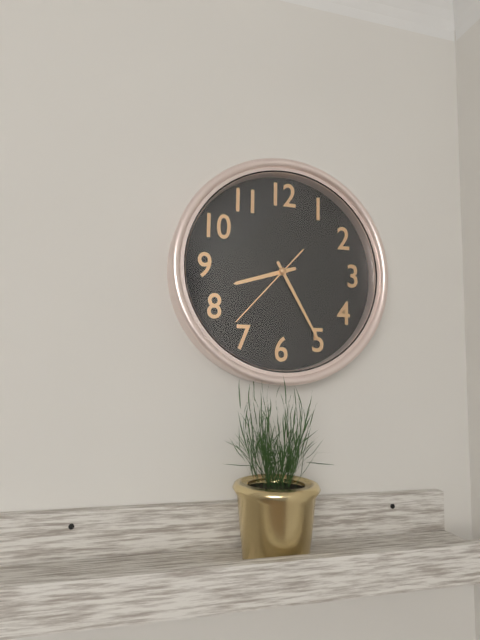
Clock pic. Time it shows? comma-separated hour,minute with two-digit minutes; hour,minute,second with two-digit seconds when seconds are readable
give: 8,25,37
